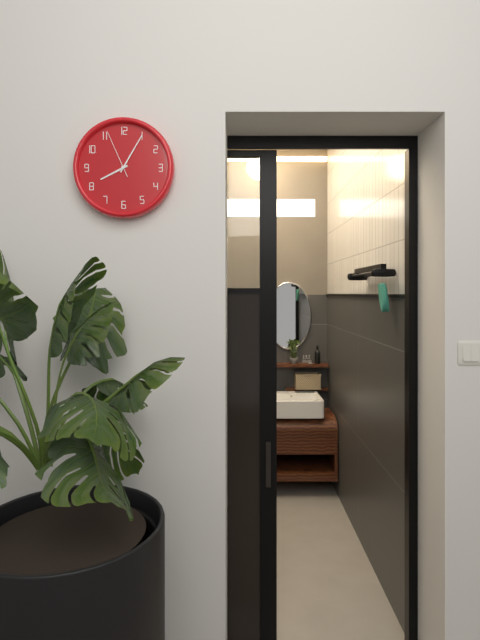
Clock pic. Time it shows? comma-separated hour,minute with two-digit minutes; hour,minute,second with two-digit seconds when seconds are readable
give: 8,05,56
